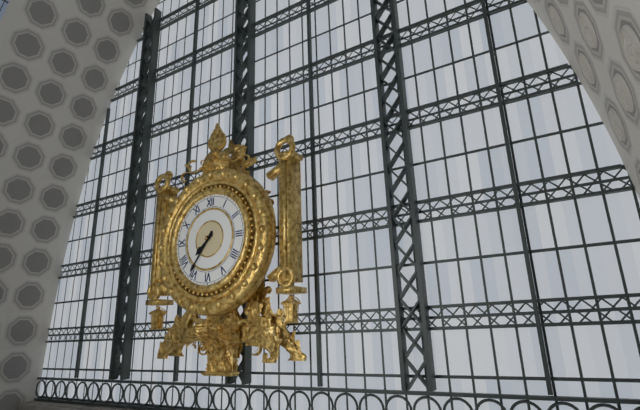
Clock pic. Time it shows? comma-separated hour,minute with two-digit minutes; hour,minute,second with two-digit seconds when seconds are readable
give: 7,36
